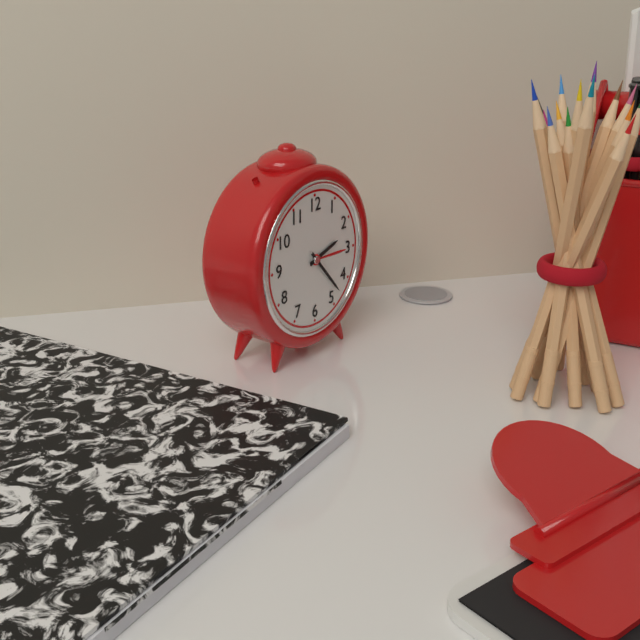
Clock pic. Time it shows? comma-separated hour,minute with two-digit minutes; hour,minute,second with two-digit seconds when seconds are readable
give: 2,23
